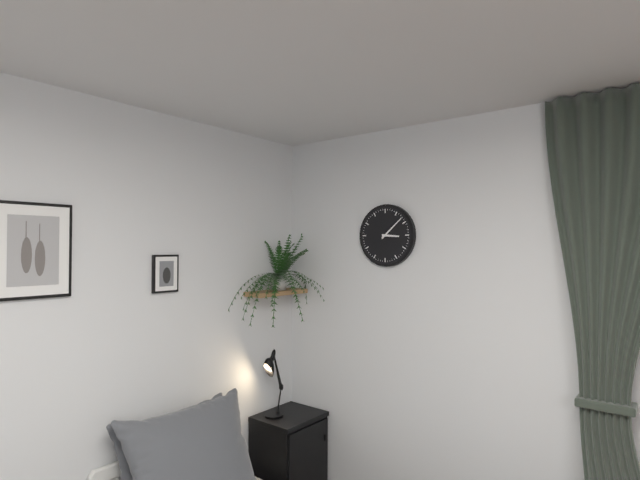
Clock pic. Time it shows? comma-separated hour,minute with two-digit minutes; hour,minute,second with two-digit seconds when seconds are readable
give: 3,08
